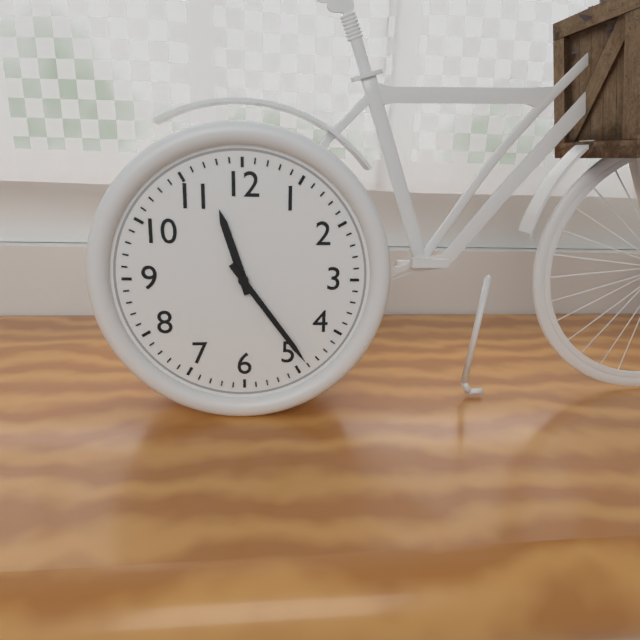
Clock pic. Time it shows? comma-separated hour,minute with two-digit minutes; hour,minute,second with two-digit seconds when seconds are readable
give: 11,24
